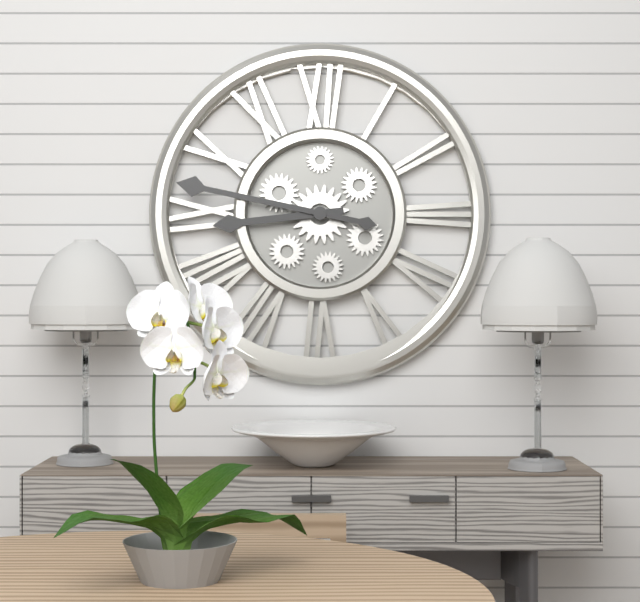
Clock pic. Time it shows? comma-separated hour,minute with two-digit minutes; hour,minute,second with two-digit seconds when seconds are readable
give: 8,47
